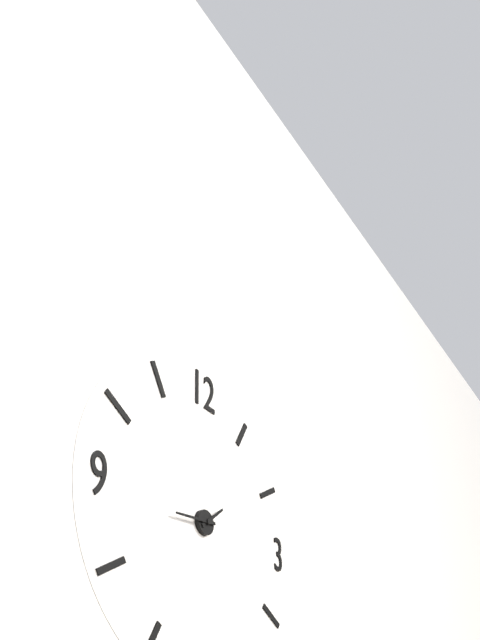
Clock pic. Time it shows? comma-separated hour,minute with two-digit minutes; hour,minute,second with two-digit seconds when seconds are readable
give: 1,44
